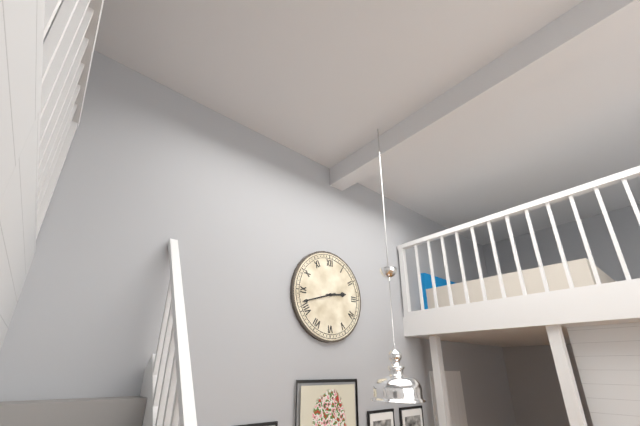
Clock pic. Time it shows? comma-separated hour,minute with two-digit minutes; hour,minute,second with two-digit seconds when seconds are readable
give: 2,42
